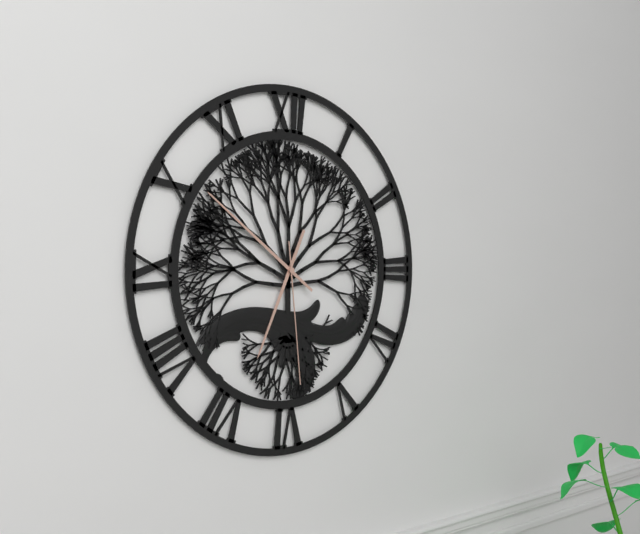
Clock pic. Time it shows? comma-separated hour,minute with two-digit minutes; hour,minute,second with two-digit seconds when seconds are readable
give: 6,51,29
